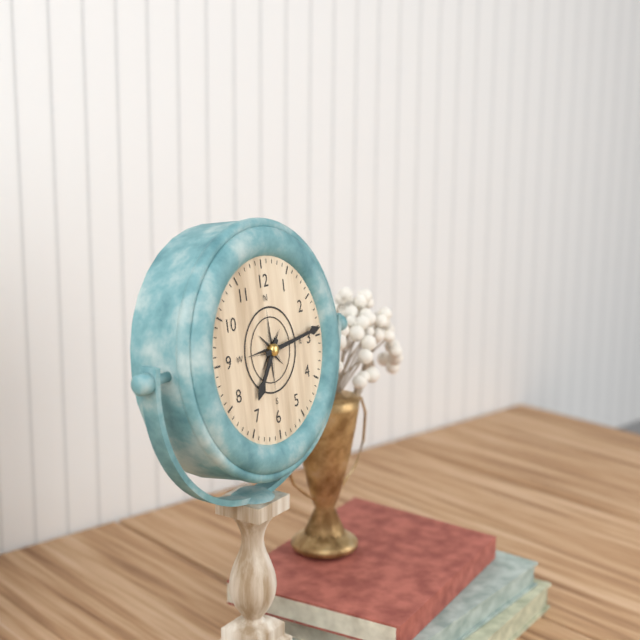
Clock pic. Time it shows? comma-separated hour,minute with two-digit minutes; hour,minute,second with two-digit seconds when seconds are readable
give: 7,14
